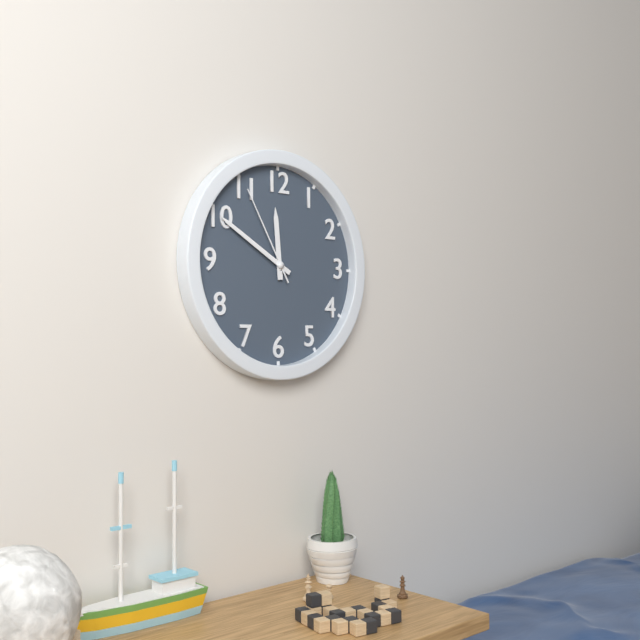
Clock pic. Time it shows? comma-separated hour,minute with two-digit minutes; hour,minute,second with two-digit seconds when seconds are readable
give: 11,50,55
